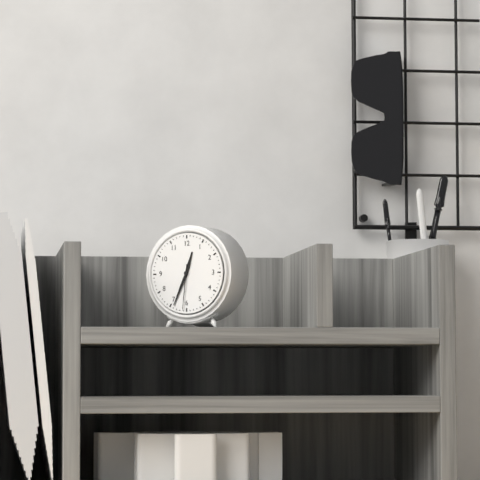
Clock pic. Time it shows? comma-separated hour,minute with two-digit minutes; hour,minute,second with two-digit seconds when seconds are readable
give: 12,34
